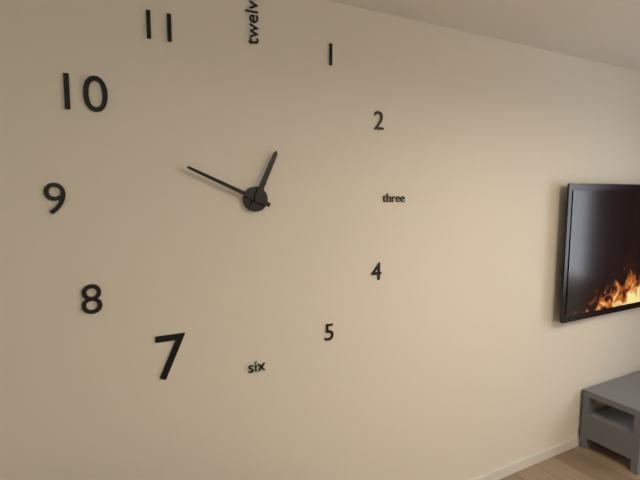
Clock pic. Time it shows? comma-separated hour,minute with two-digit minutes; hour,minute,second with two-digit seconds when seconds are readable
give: 12,49
